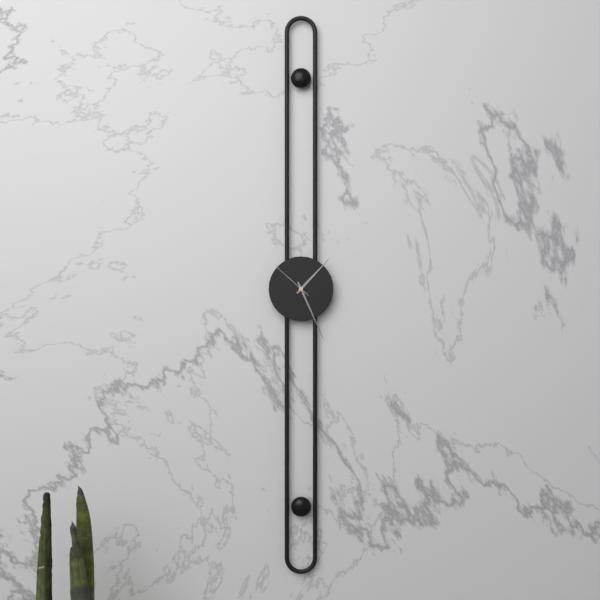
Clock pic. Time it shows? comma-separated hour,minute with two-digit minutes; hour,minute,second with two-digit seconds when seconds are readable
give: 1,26
